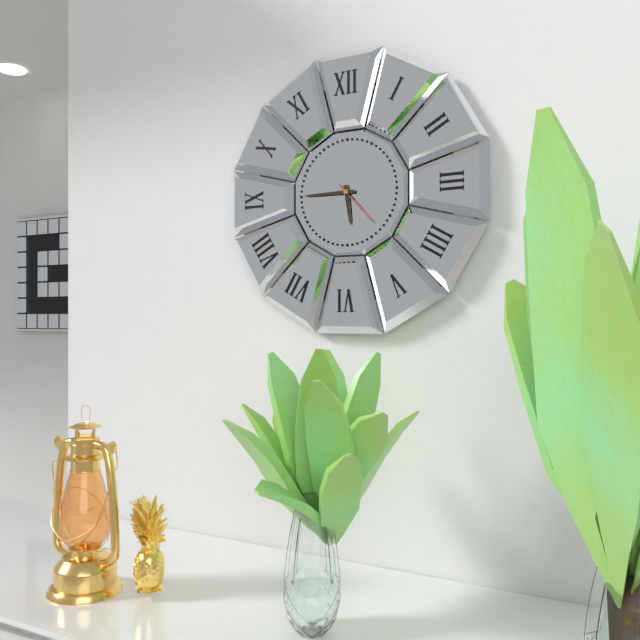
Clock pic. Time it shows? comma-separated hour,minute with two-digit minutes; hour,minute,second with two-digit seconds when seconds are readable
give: 5,45
